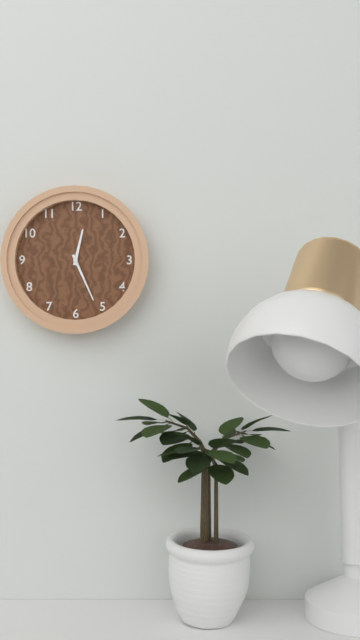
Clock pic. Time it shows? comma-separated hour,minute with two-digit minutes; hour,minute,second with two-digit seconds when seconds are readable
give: 12,26
